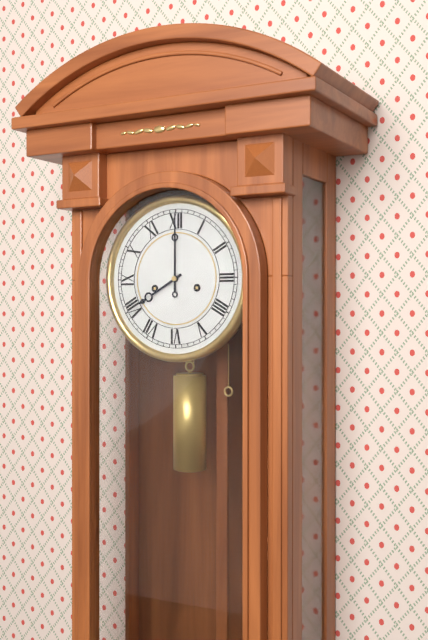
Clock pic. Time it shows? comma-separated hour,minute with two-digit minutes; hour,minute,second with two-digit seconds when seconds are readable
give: 8,00
